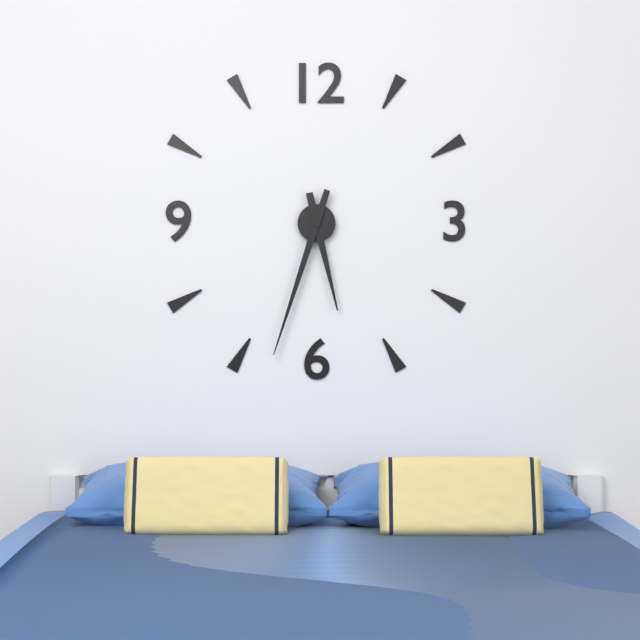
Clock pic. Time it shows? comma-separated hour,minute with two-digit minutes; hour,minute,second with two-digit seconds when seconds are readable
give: 5,33
